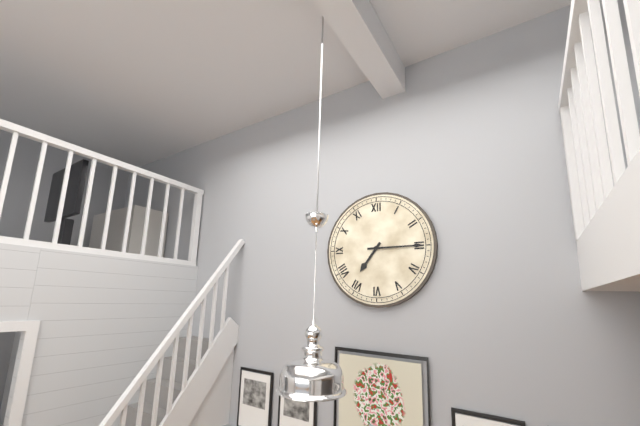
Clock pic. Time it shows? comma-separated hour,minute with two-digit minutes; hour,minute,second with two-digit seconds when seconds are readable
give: 7,15
